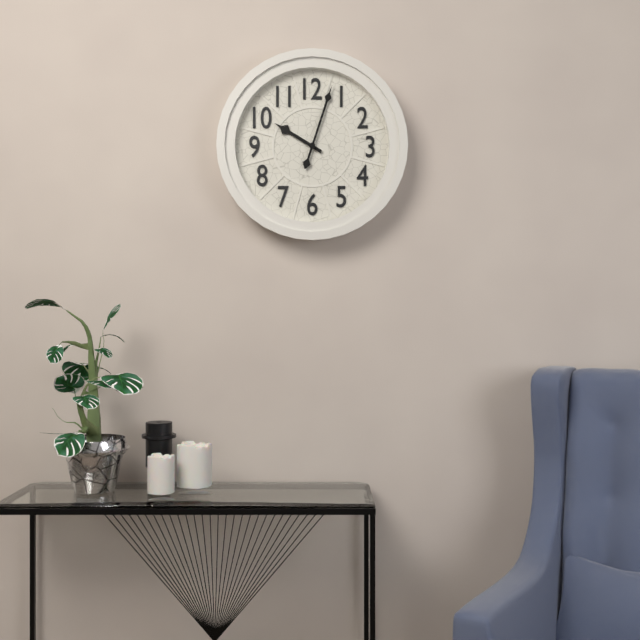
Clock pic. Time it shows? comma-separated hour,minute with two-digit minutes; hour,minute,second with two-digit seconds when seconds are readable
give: 10,03
